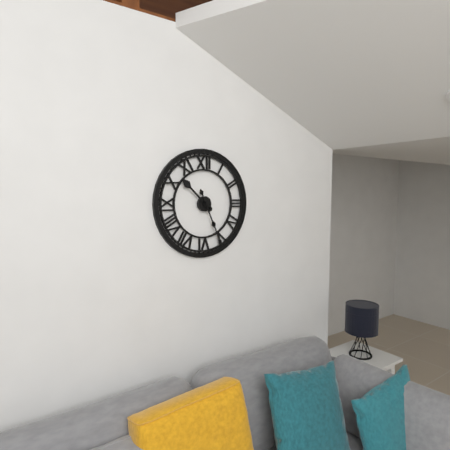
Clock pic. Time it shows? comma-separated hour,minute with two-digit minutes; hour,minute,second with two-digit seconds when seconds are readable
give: 10,26
